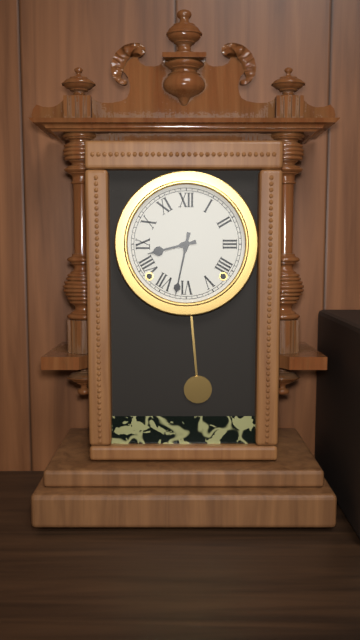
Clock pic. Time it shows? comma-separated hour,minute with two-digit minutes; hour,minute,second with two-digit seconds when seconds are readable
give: 8,32
